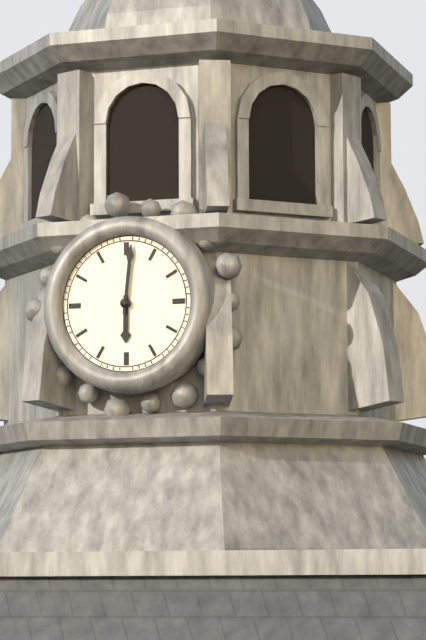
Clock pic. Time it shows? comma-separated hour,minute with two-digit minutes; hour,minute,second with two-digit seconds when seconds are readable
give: 6,01
